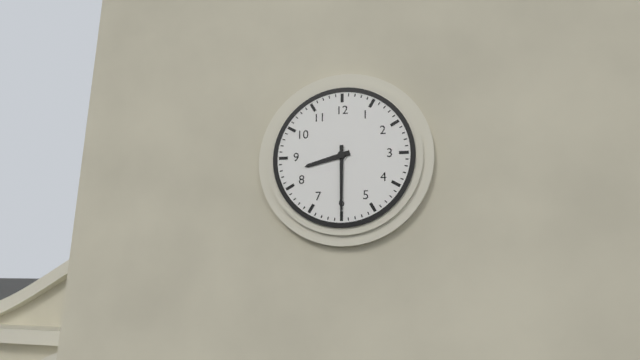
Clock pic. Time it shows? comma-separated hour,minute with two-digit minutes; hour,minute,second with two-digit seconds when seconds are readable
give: 8,30
